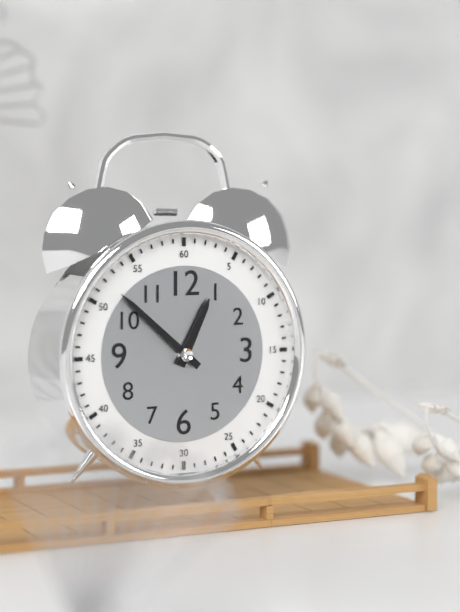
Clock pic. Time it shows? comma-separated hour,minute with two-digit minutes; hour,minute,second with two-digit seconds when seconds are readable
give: 12,52
